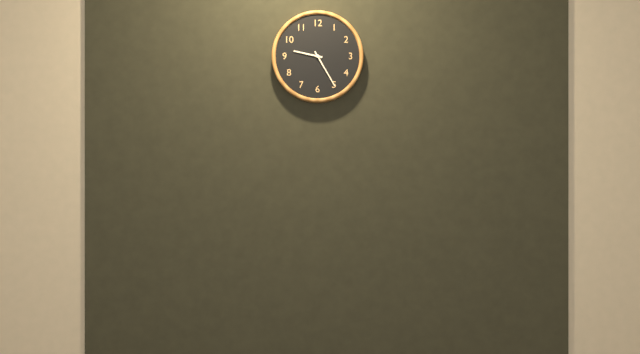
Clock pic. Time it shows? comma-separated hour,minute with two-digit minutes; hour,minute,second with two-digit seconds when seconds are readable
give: 9,25
